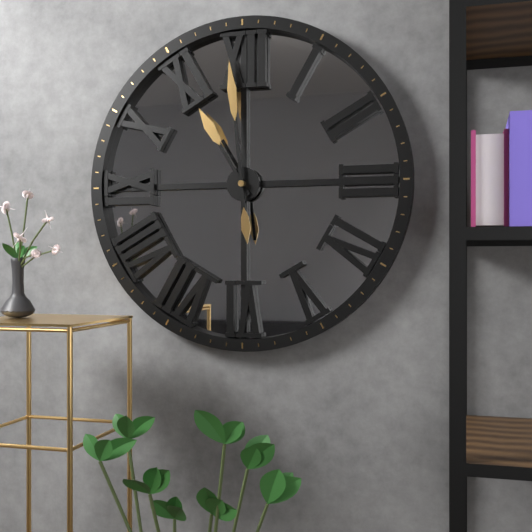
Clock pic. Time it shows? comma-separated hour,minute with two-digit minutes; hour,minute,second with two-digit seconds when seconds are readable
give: 10,59
